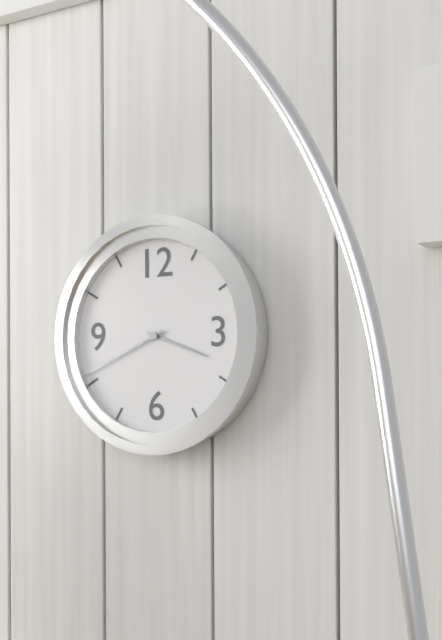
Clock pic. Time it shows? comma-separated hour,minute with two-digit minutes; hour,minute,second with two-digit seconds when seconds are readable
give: 3,41
